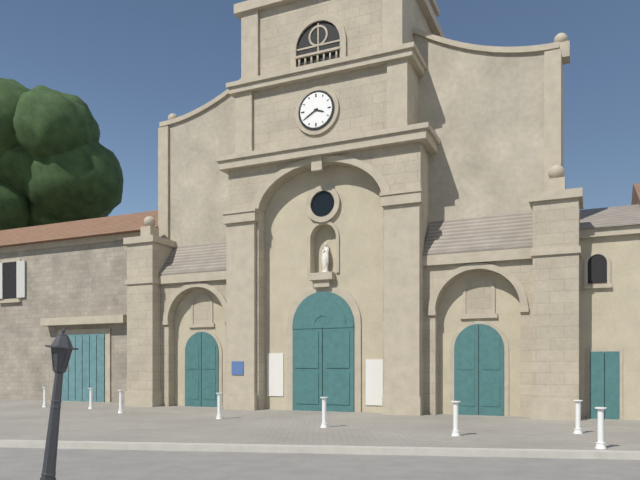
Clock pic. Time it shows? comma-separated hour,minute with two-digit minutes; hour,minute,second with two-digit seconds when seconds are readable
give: 3,40
